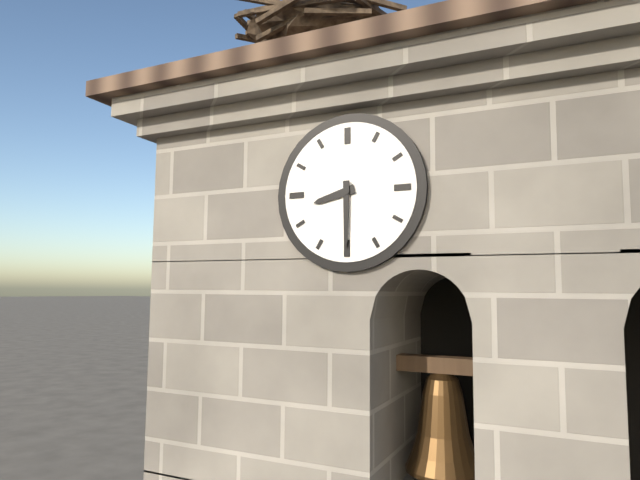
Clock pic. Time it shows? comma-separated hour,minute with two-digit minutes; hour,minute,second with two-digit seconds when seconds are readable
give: 8,30
